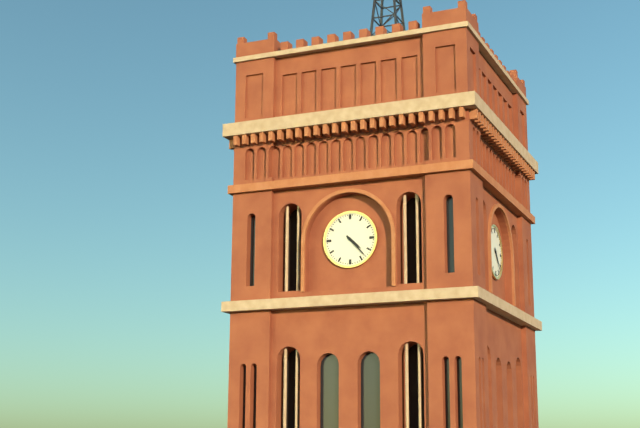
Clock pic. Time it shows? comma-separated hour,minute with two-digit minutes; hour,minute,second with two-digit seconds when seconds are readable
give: 4,23
